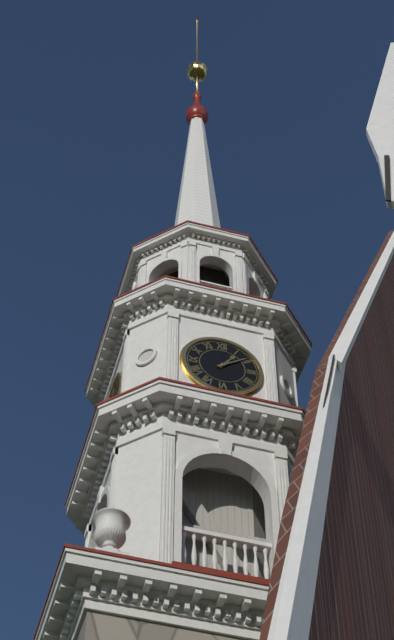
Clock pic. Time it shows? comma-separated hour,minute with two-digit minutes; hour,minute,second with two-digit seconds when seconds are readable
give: 1,09
